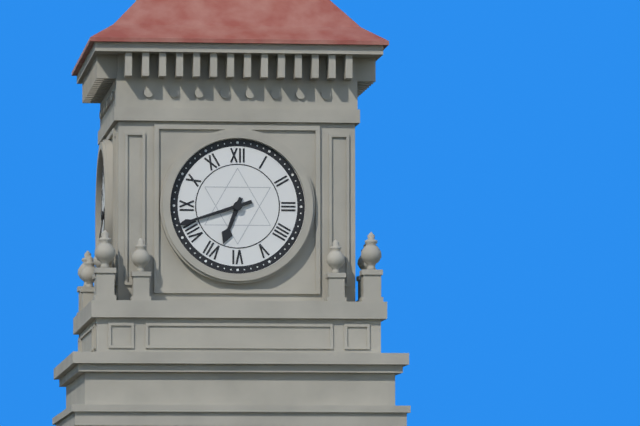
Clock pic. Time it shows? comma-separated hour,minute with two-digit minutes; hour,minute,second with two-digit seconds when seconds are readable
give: 6,42
